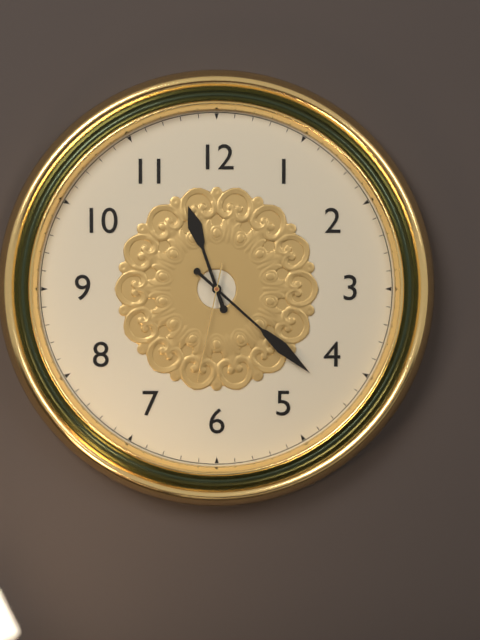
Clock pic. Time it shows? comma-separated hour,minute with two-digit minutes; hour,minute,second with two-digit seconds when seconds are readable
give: 11,22,32
